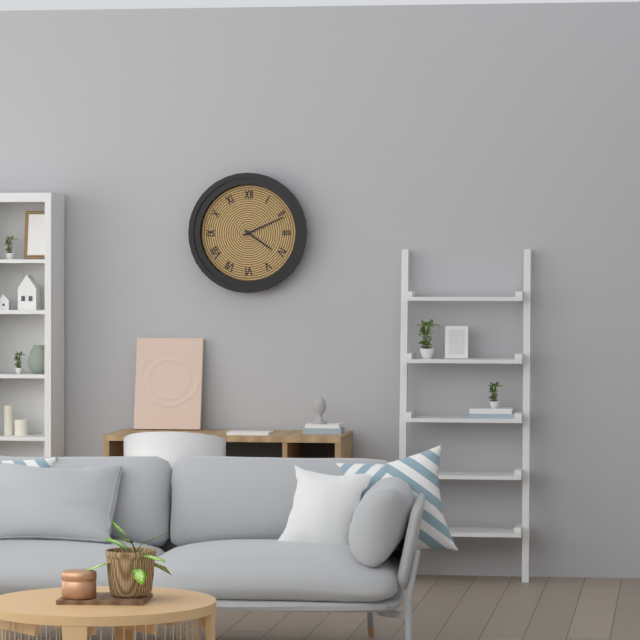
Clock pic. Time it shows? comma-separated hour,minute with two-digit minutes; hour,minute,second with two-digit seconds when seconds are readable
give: 4,11
